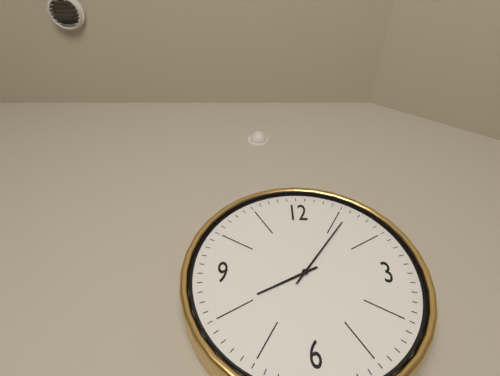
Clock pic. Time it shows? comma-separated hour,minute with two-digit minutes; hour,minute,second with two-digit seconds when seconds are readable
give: 8,06
